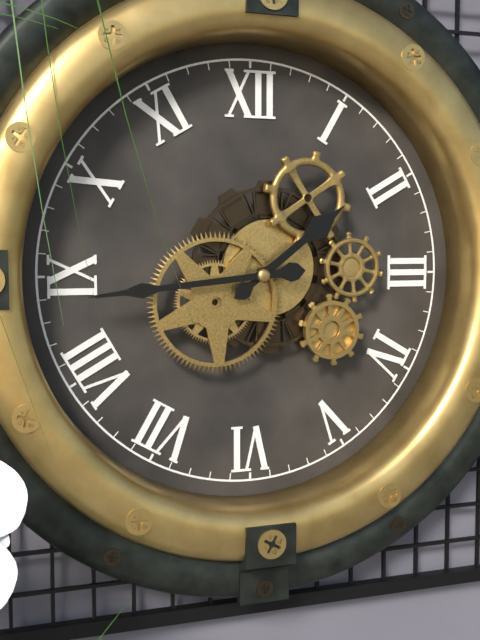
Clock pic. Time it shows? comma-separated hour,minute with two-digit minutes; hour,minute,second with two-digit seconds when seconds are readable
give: 1,44
